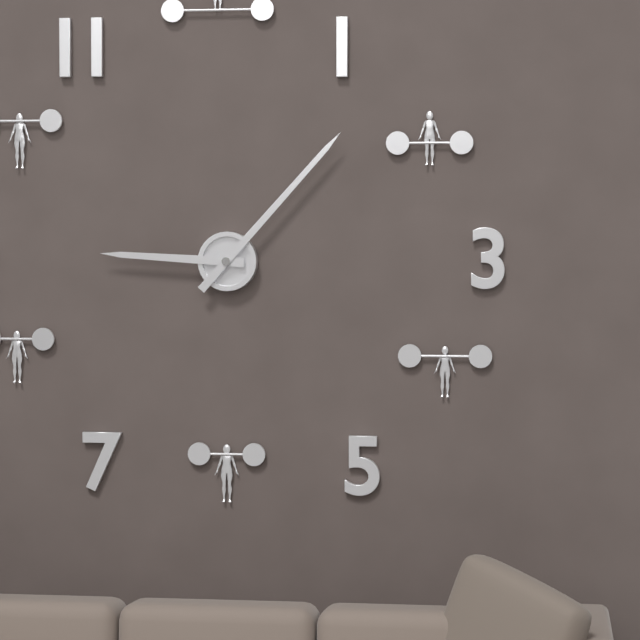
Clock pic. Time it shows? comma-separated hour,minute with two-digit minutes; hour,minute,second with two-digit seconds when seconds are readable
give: 9,07
